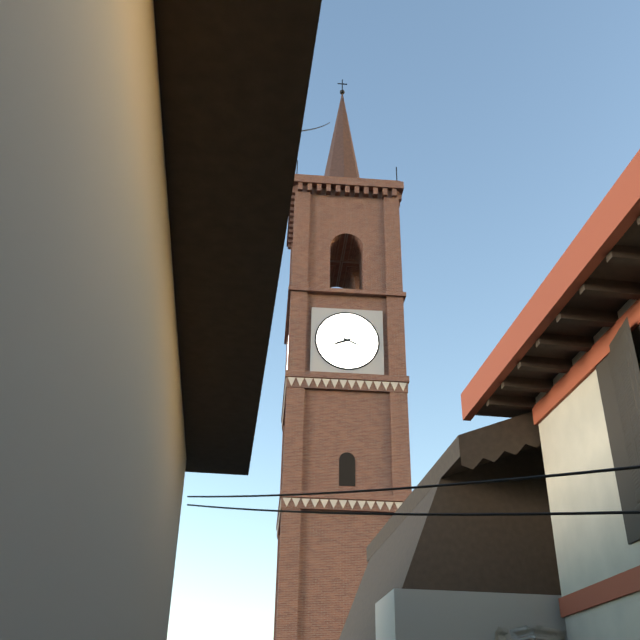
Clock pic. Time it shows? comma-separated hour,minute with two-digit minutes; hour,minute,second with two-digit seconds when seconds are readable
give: 8,19
